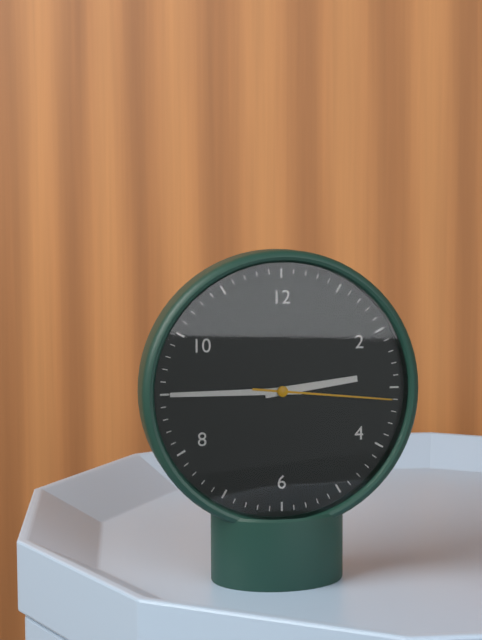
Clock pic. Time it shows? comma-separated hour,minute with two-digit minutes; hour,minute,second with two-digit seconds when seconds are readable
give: 2,45,16
